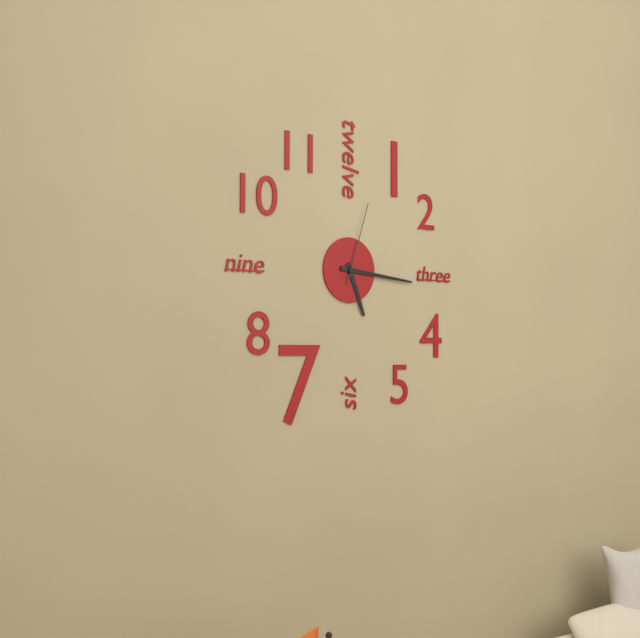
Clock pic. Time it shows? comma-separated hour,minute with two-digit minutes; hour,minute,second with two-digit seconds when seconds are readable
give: 5,16,03
